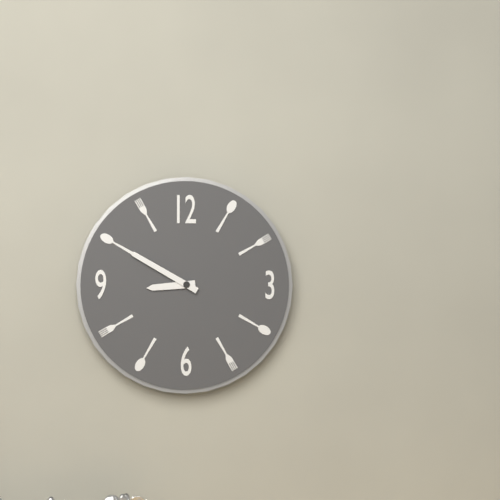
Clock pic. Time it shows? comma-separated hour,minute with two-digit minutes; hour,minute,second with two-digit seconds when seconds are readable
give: 8,50
